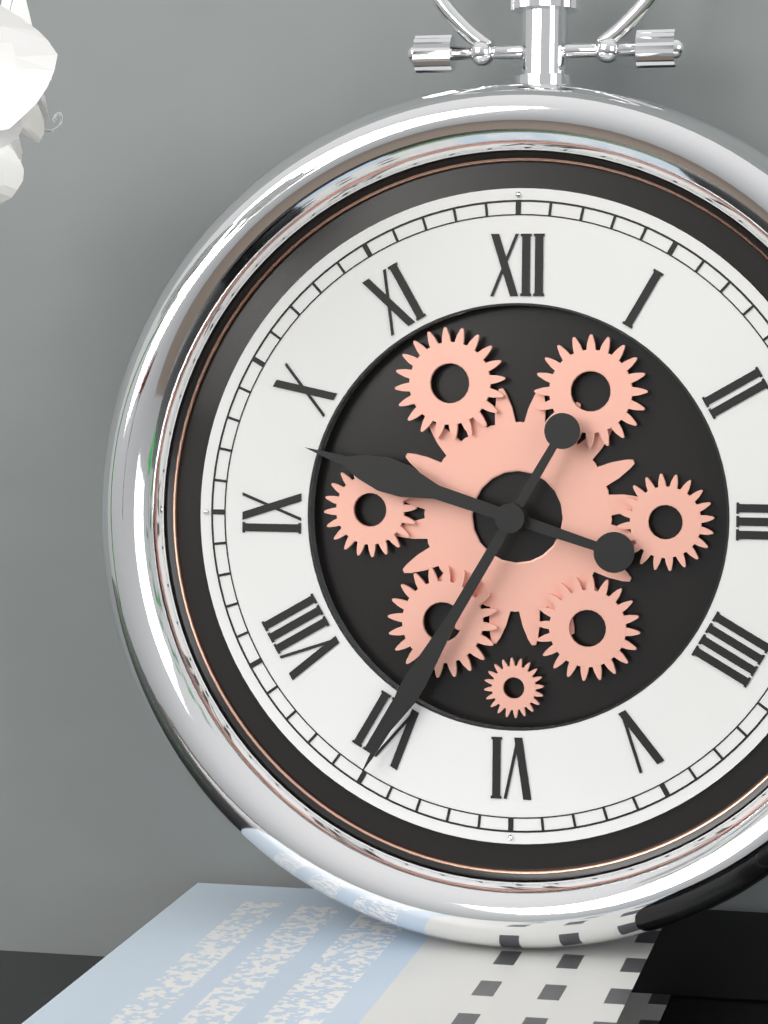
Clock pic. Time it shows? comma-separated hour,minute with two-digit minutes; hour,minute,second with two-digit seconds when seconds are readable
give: 9,35
